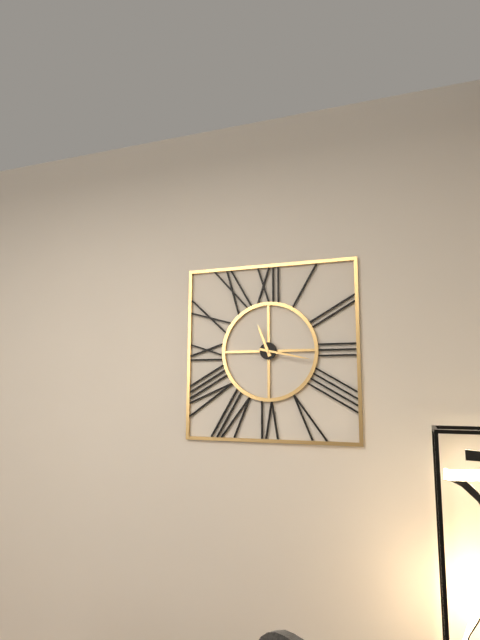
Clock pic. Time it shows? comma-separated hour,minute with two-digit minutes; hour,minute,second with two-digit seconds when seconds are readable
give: 11,17
